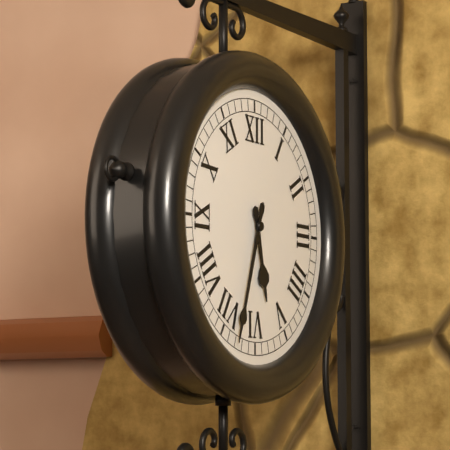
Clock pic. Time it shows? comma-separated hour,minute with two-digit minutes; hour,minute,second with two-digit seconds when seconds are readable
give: 5,33
